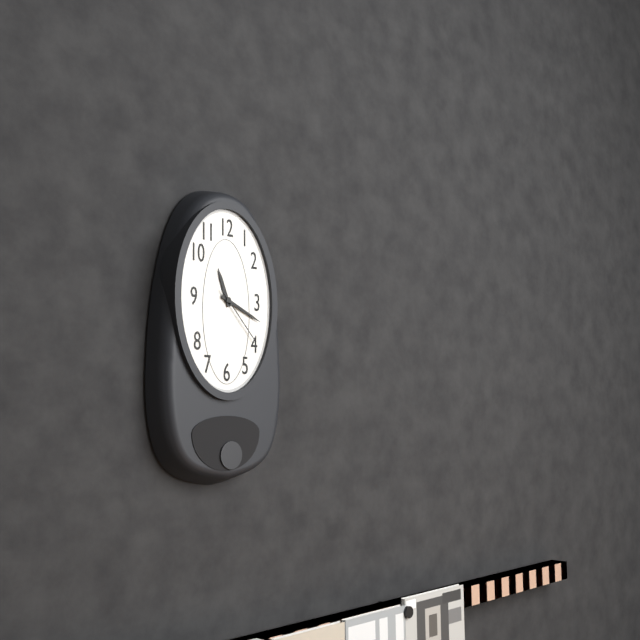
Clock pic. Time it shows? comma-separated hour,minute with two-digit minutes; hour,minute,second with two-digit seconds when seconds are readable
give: 11,19,23
